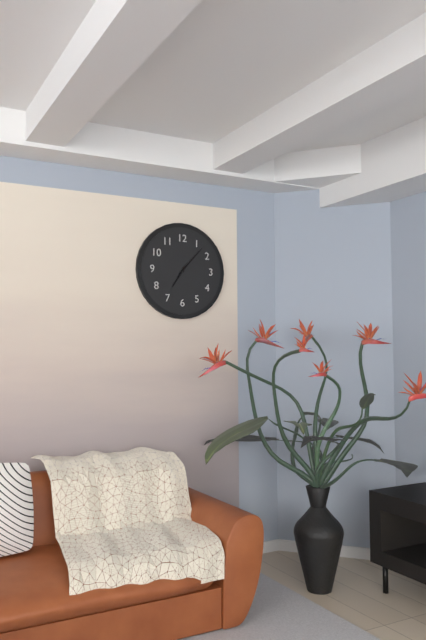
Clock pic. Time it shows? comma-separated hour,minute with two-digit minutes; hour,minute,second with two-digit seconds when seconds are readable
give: 7,07
